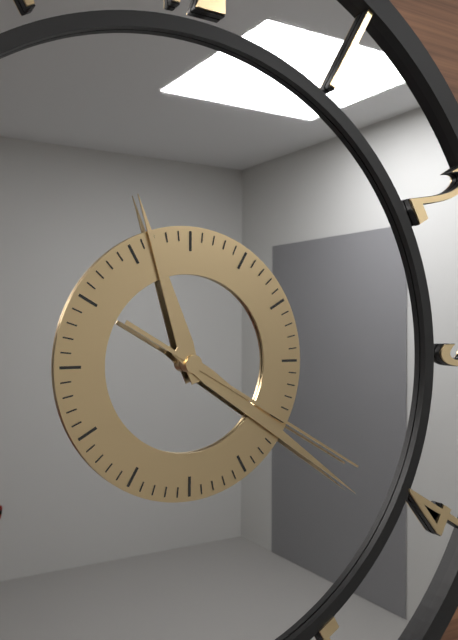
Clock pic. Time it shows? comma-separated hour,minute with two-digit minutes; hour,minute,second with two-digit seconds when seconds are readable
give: 11,21,20
